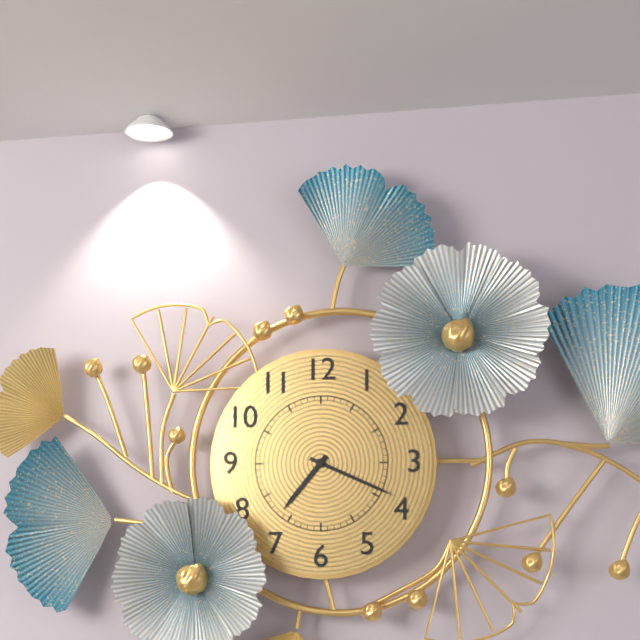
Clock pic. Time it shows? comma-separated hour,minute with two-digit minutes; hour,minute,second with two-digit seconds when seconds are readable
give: 7,19
